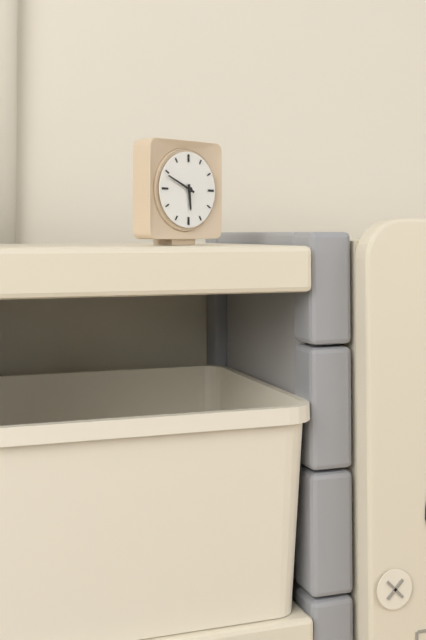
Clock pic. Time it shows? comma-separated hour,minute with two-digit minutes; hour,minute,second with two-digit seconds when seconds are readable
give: 5,49
